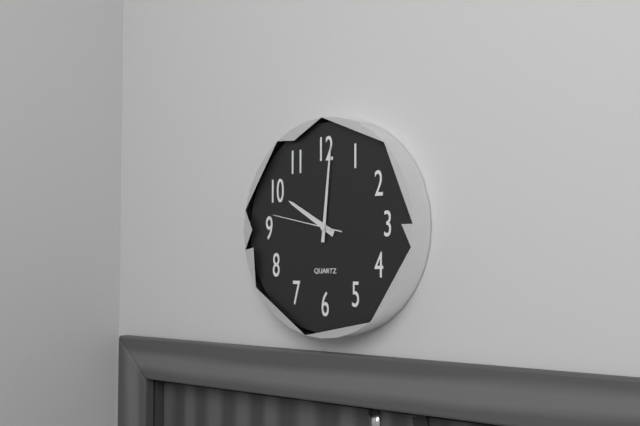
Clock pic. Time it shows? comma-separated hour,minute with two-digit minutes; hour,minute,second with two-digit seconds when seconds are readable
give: 10,01,47
